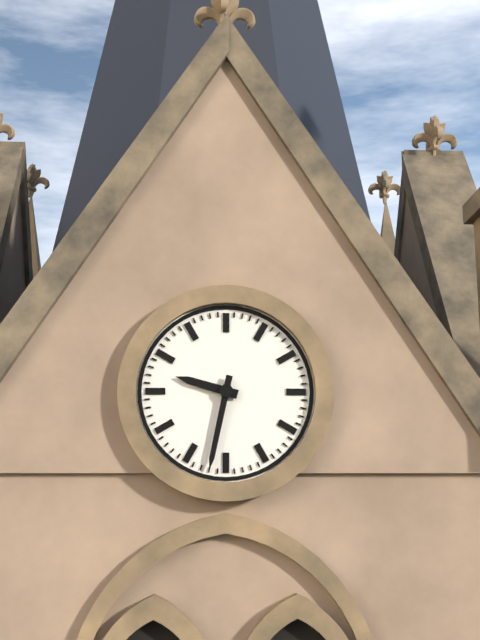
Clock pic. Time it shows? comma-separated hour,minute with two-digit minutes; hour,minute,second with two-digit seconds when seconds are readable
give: 9,32
